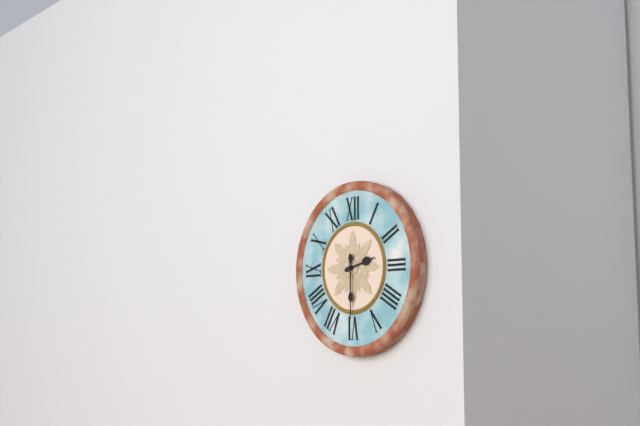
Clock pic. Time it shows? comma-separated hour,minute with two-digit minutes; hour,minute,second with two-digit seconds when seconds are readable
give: 2,30
